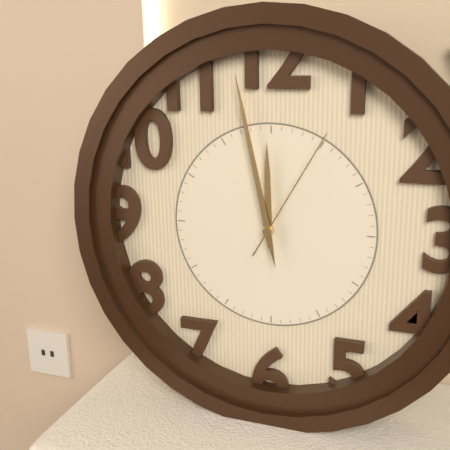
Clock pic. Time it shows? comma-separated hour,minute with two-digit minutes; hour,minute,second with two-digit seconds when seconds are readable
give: 11,58,05
